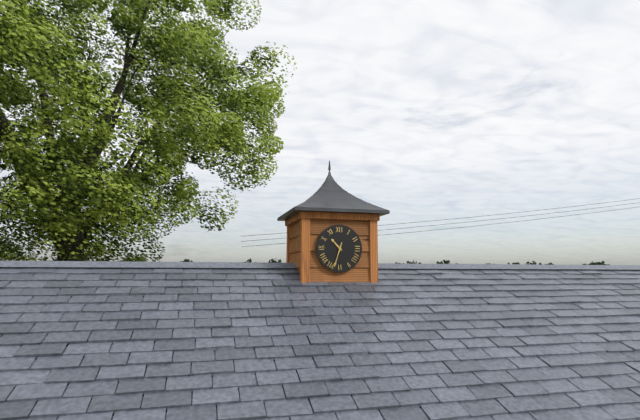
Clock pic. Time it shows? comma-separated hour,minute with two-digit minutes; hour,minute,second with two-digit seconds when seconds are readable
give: 10,33
